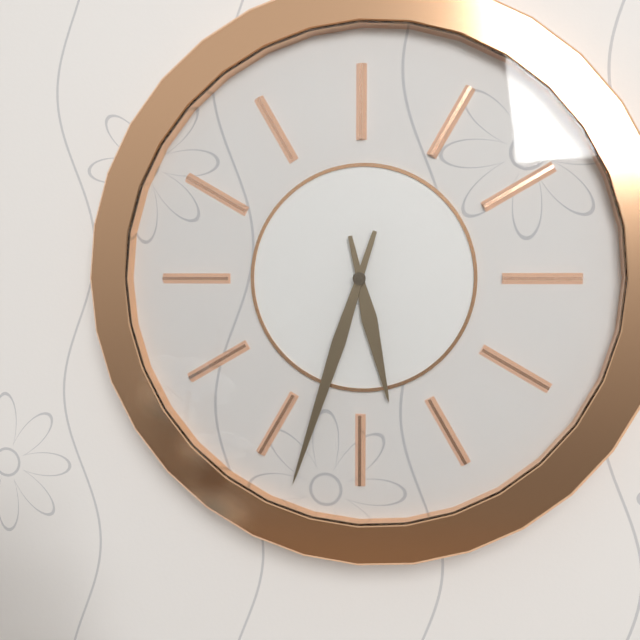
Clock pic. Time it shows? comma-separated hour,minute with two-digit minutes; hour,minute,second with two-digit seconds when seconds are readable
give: 5,33
